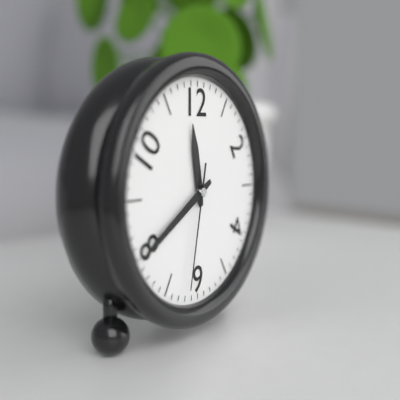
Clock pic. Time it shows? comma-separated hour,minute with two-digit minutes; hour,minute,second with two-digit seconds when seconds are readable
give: 11,40,32
